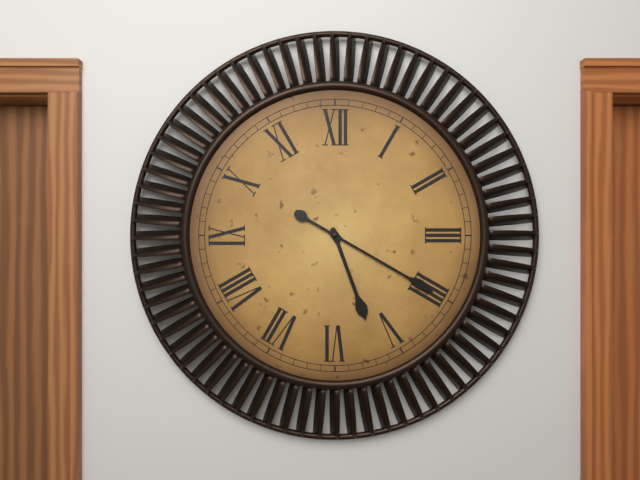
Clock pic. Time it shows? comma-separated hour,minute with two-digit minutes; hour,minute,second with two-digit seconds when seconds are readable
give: 5,20
